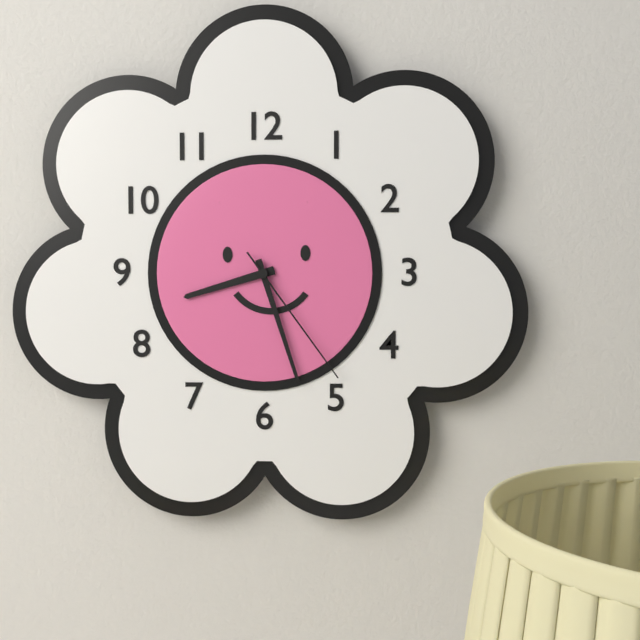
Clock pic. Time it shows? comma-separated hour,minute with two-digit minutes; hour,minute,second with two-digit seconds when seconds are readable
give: 8,27,24
